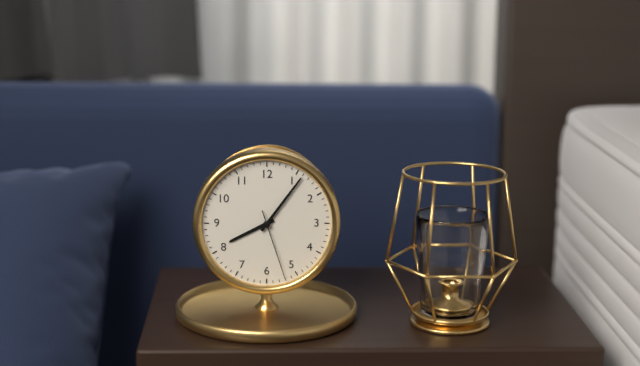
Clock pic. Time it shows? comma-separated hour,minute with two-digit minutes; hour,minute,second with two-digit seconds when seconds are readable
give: 8,06,27
